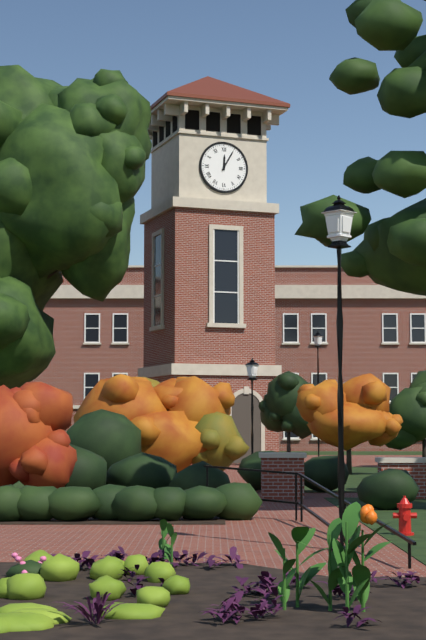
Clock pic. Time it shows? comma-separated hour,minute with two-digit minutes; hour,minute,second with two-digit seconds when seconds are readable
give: 12,05
